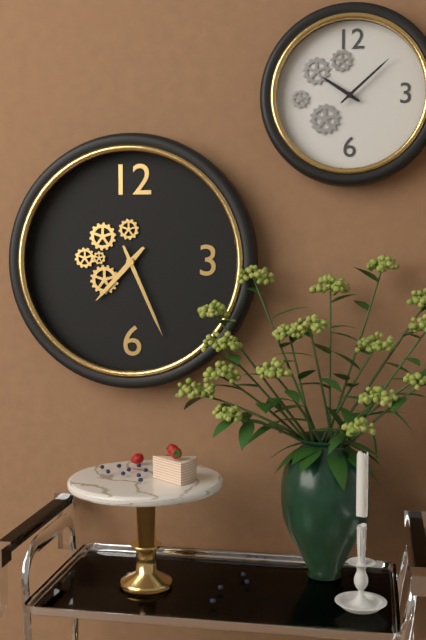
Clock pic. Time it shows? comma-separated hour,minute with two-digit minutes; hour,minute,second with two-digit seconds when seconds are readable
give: 7,26
